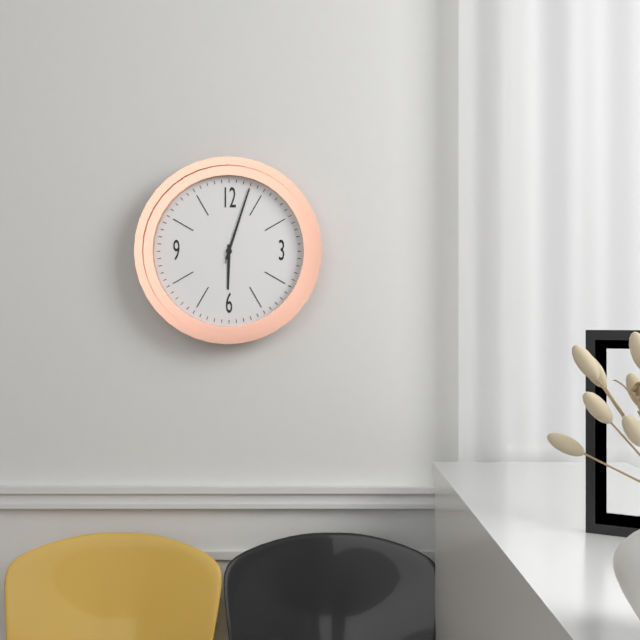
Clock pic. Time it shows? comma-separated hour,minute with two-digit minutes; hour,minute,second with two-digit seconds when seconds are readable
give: 6,03,03
